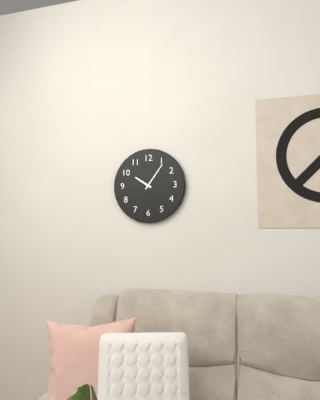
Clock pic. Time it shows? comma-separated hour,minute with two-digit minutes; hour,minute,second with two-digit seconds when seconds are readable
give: 10,06
